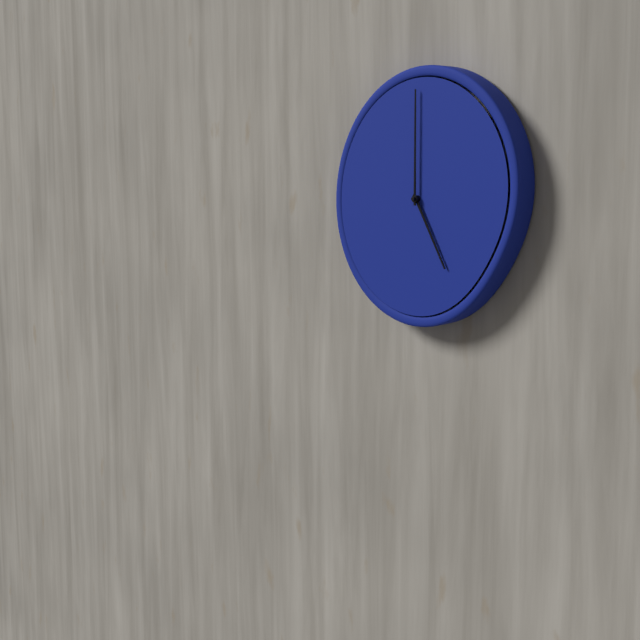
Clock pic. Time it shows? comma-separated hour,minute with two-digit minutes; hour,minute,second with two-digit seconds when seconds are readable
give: 5,00
